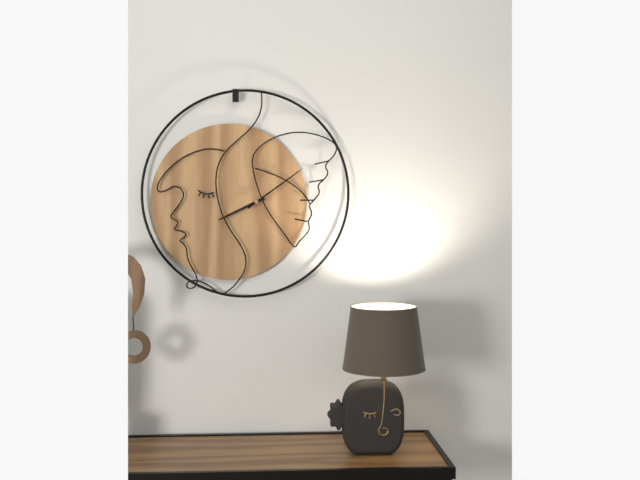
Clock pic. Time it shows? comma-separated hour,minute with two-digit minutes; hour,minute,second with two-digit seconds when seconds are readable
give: 8,09
